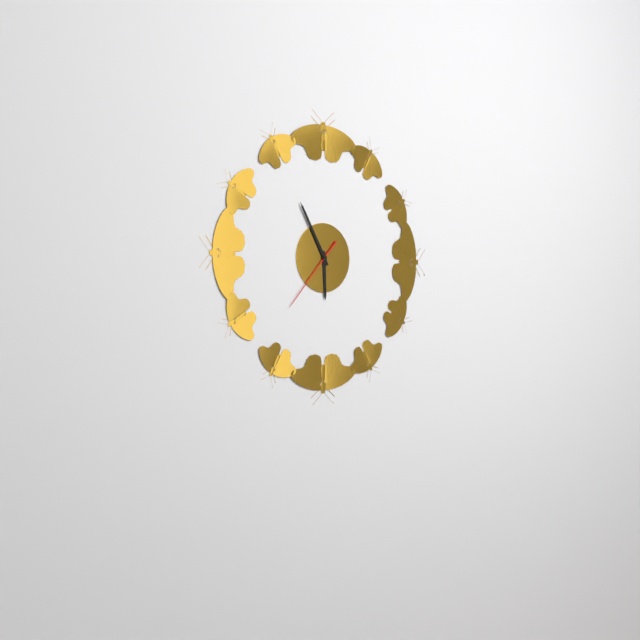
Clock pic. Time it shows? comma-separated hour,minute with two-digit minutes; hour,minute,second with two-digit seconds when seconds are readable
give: 5,55,37
